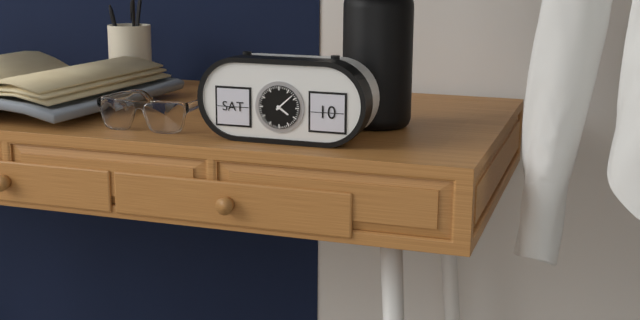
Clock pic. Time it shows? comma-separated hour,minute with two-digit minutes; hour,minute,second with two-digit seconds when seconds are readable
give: 4,08
